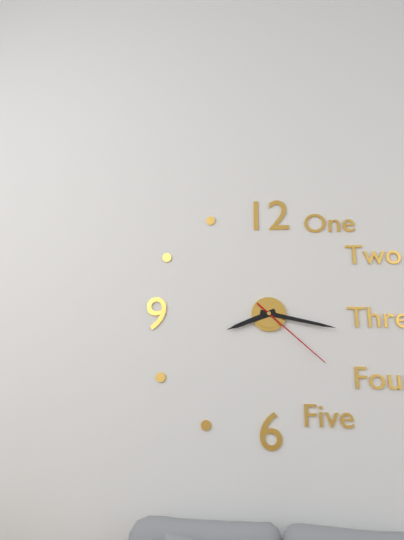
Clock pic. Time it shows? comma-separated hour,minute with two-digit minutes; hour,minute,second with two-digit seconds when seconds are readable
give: 8,17,22
